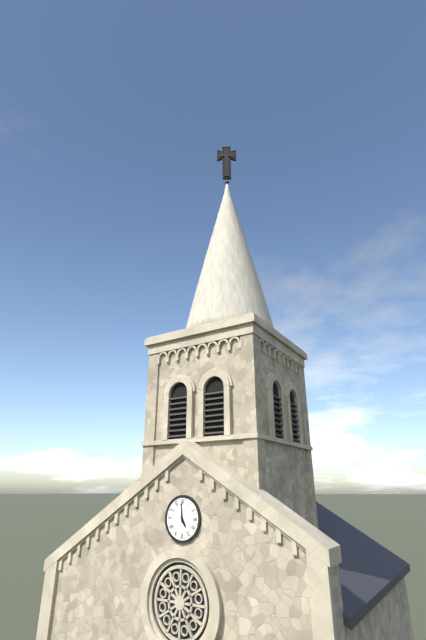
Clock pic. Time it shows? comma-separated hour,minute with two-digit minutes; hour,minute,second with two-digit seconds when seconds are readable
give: 4,59
